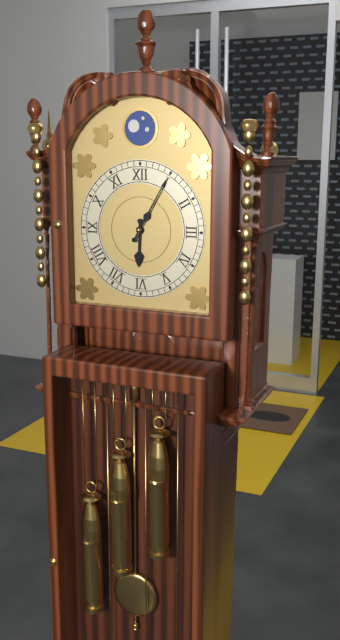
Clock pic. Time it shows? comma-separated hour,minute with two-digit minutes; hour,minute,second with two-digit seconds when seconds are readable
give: 6,05
